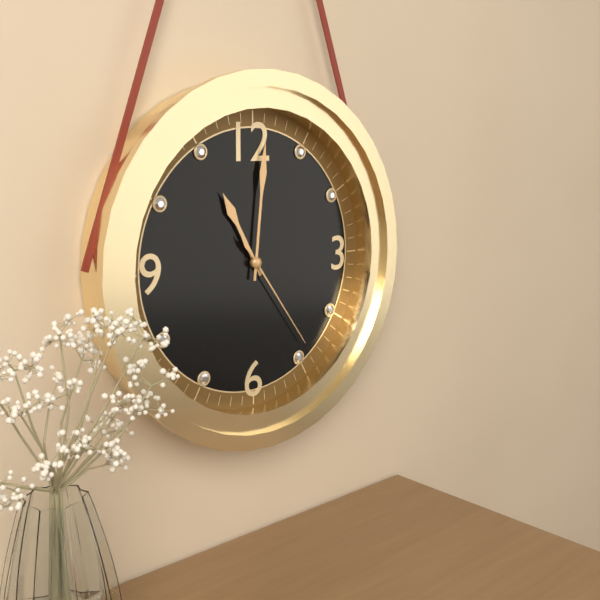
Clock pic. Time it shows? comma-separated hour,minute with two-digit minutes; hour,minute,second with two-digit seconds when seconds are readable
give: 11,01,24
